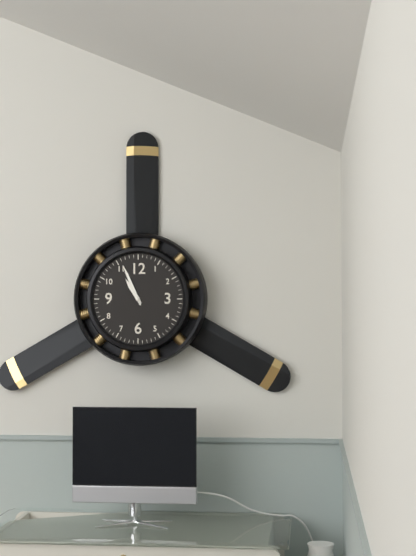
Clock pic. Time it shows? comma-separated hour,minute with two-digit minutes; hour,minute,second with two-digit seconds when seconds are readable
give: 10,56
